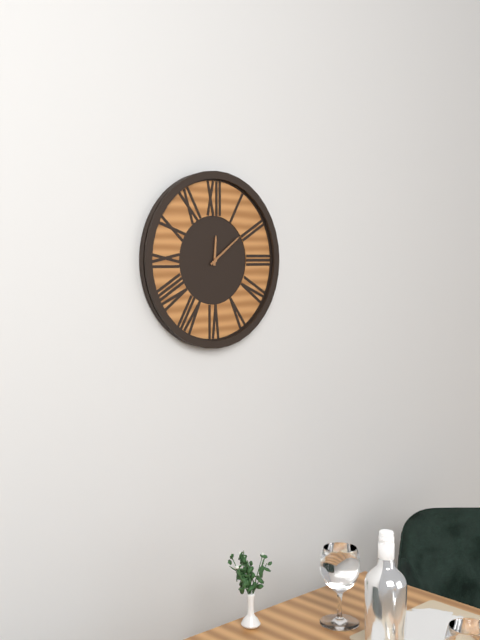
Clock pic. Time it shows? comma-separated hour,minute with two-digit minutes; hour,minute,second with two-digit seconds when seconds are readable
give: 12,09
